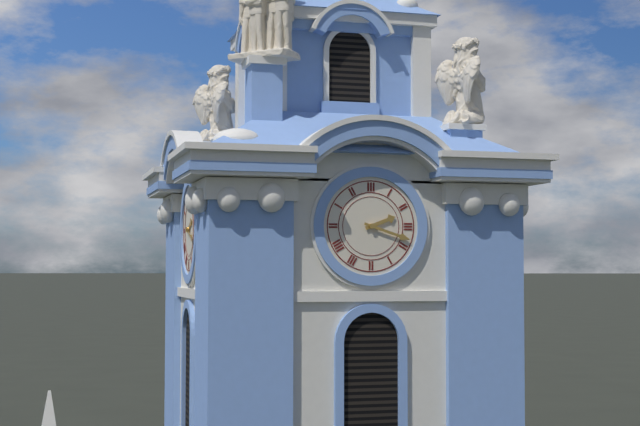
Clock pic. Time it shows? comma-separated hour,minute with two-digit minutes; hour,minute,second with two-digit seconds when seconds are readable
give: 2,18
